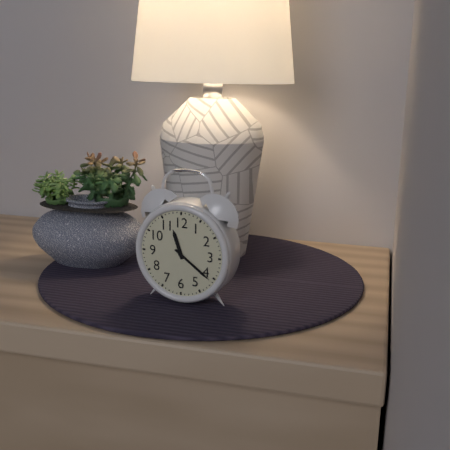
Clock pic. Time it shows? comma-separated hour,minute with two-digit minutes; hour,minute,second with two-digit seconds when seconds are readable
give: 11,21
